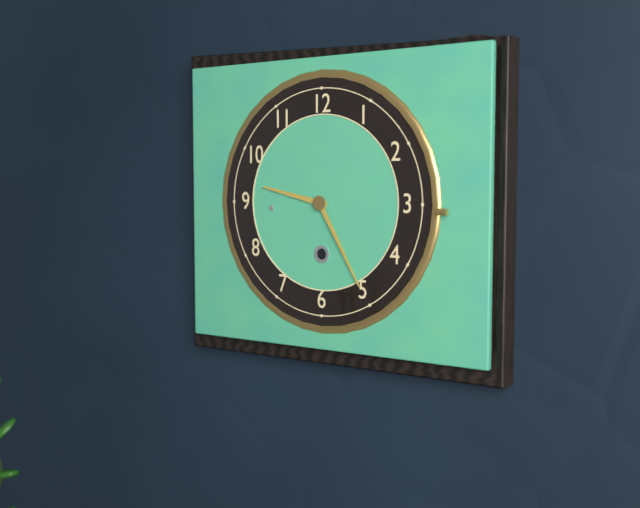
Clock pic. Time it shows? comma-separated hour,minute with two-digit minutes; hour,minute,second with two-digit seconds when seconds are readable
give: 9,25
